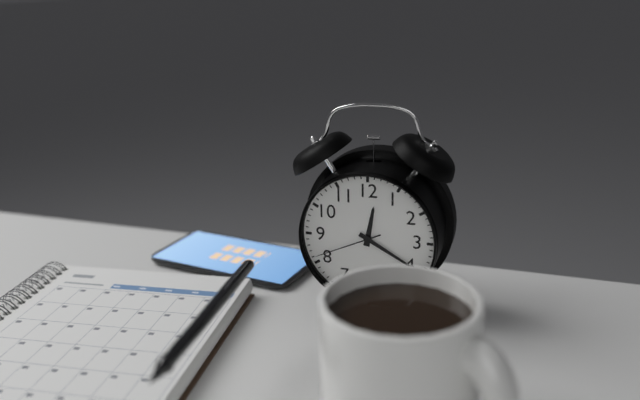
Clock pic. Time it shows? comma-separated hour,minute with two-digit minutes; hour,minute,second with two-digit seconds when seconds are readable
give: 12,20,41
